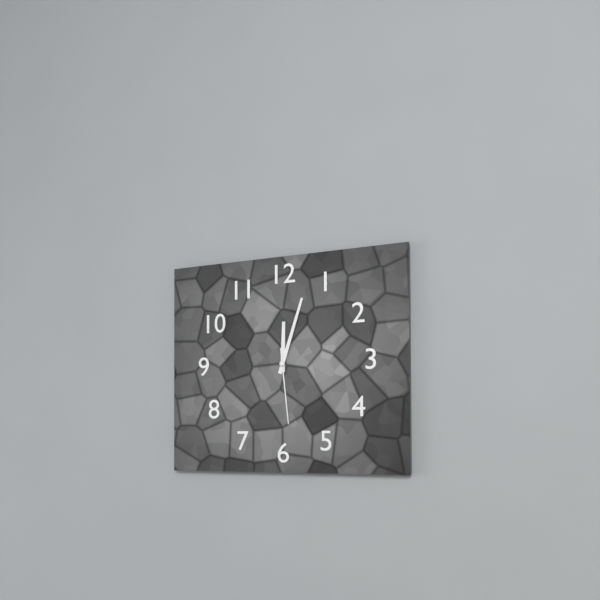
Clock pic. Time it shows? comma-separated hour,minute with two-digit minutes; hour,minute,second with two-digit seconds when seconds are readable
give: 12,03,29
